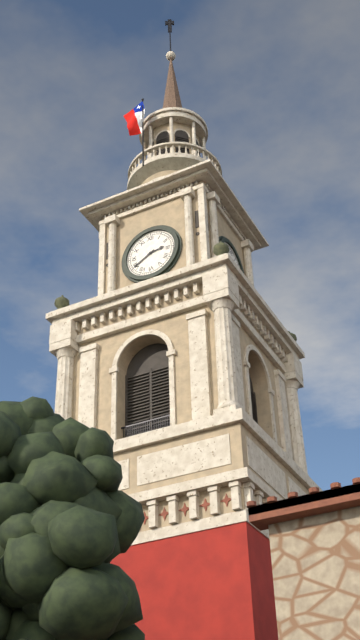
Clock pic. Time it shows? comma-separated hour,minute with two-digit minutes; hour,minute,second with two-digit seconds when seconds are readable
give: 2,40
